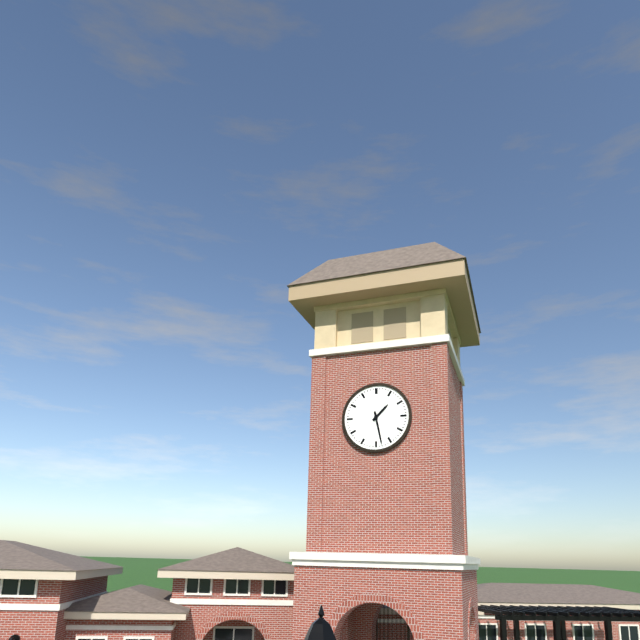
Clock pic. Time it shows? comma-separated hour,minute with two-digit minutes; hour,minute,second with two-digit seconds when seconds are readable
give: 1,28
